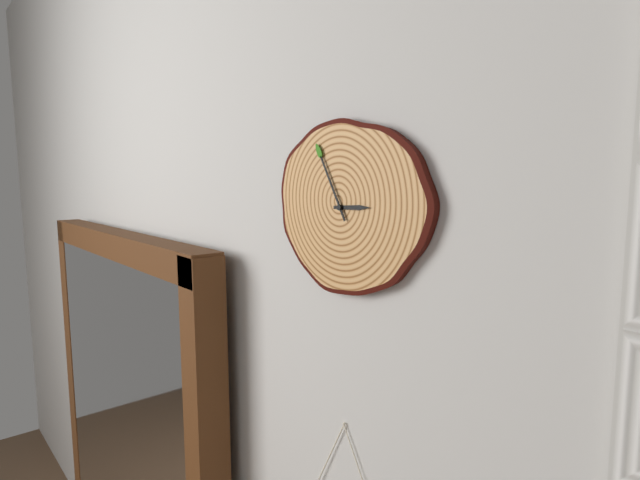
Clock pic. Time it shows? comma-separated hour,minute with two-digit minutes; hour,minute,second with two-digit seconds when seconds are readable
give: 2,55
